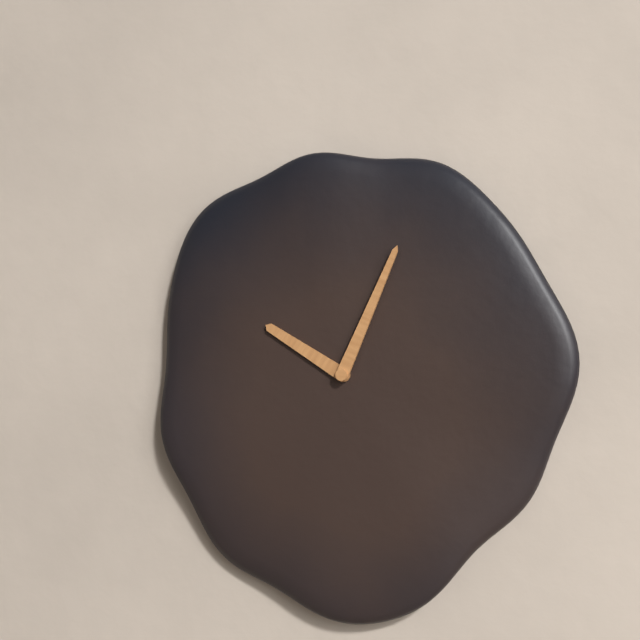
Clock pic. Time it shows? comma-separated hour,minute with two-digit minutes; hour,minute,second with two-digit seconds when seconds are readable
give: 10,04
